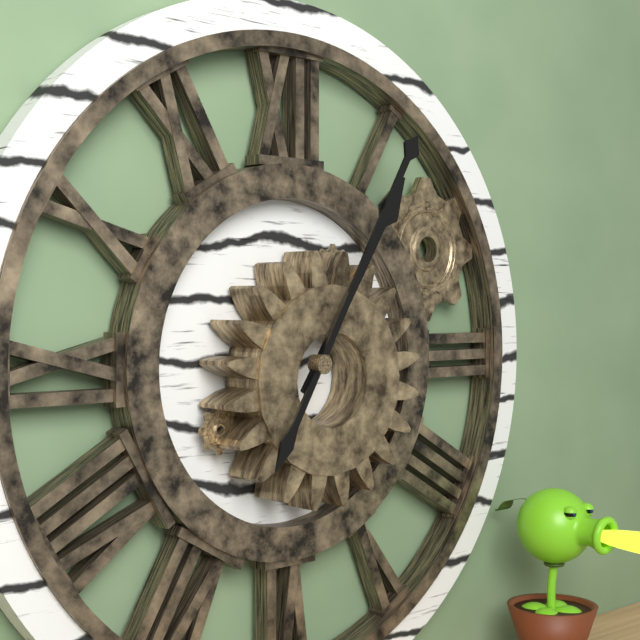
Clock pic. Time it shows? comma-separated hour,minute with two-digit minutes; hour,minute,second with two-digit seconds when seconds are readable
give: 1,05
